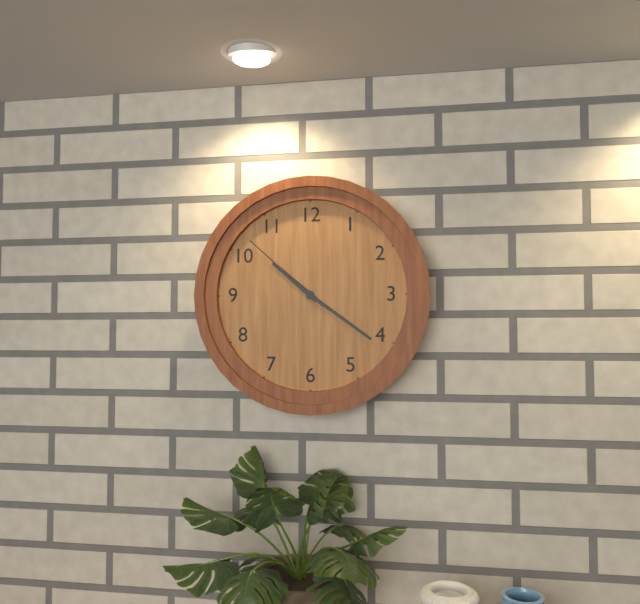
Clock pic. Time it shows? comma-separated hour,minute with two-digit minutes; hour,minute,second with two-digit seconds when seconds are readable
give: 10,21,52
